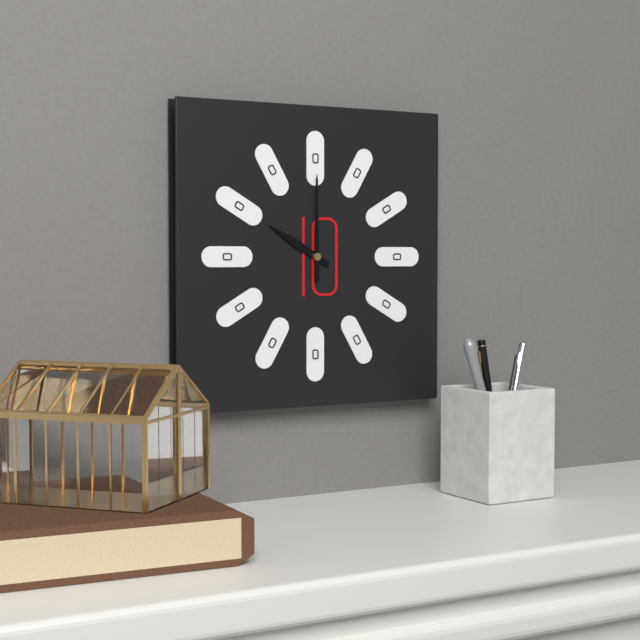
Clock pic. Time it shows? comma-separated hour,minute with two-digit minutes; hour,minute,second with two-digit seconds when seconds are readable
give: 10,00
